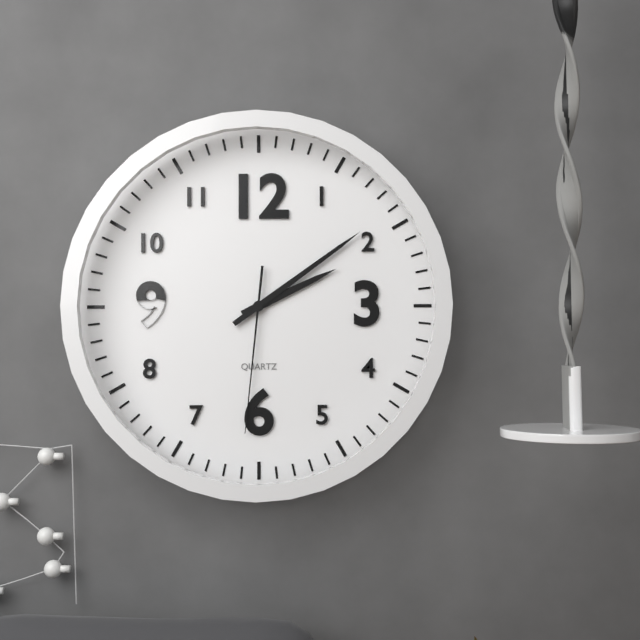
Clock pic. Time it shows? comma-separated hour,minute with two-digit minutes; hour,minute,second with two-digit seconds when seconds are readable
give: 2,09,31
